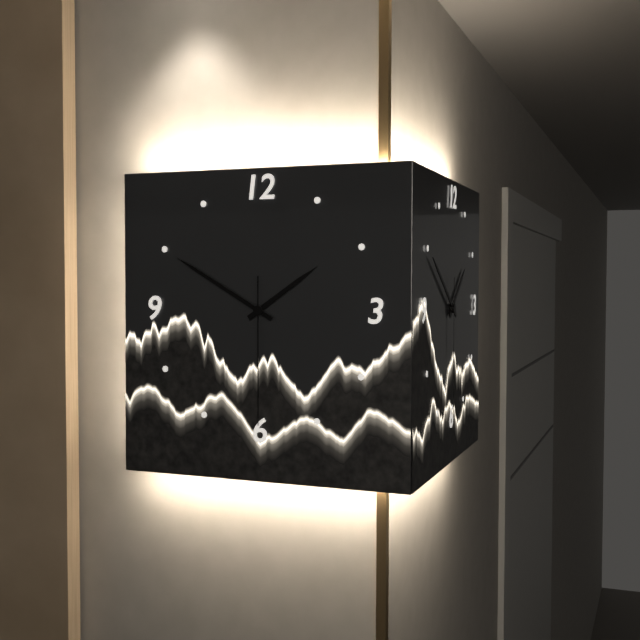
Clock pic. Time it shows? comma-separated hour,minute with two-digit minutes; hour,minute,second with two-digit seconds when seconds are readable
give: 1,50,30
